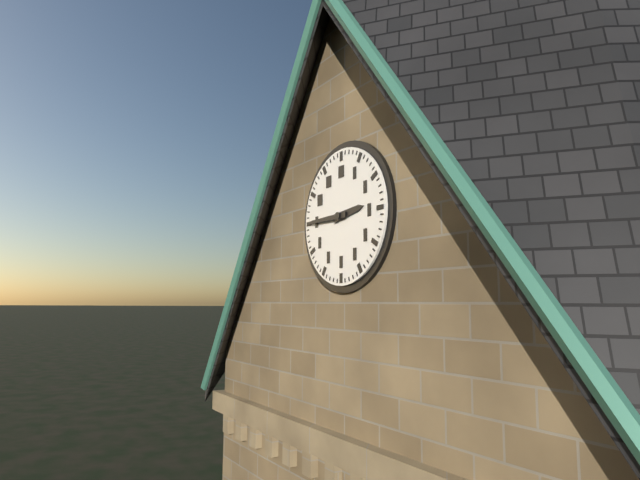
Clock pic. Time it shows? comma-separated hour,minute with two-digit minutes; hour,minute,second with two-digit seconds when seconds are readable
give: 2,45
